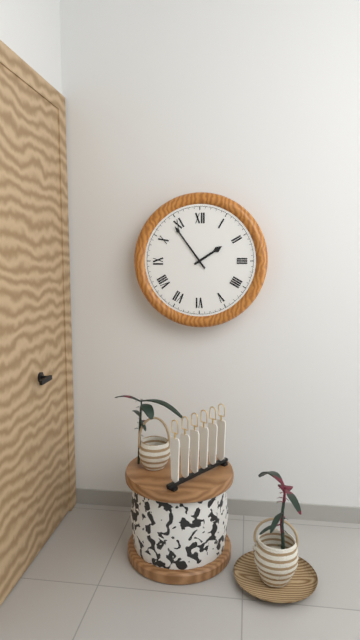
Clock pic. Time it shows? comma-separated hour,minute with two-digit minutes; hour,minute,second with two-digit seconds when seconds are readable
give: 1,54
